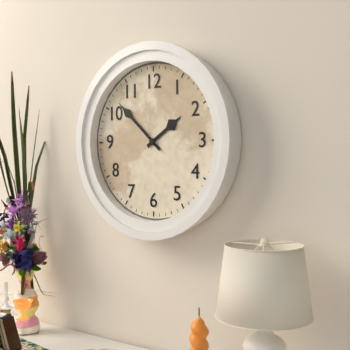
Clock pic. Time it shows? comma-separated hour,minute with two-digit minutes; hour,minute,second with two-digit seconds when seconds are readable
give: 1,52
